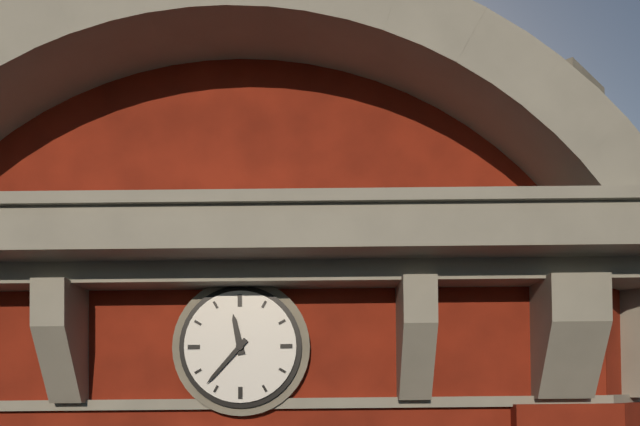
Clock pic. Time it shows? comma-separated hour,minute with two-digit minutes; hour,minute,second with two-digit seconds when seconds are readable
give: 11,37
